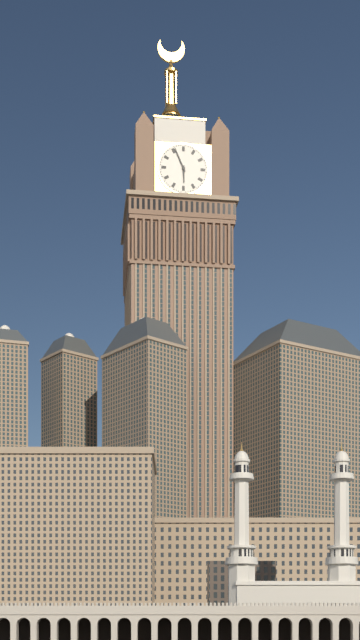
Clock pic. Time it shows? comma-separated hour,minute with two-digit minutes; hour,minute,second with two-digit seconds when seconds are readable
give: 5,56
